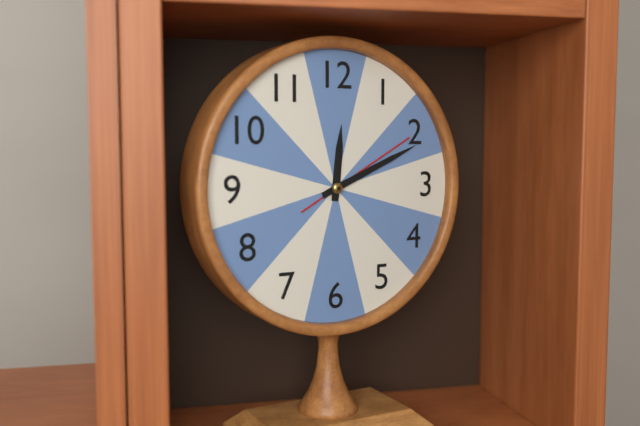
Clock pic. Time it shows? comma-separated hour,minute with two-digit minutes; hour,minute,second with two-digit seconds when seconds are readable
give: 12,11,10
